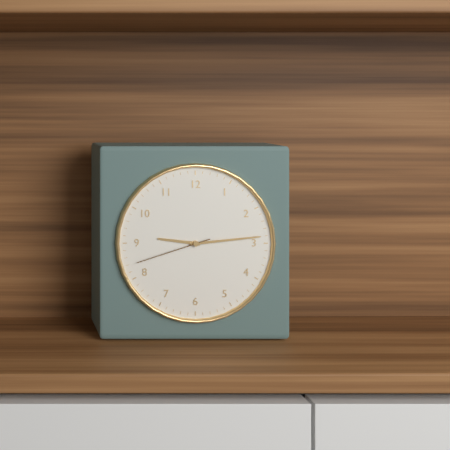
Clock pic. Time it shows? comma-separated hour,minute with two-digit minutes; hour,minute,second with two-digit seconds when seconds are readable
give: 9,14,42
